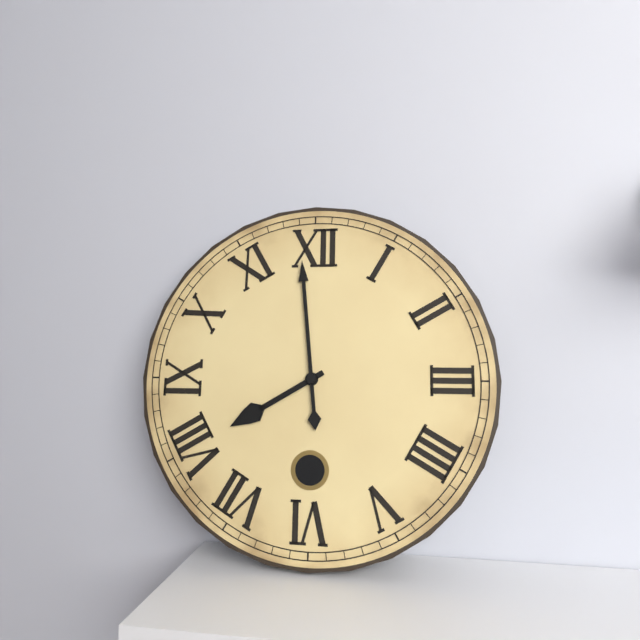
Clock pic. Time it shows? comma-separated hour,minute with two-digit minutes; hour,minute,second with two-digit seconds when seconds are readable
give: 7,59
